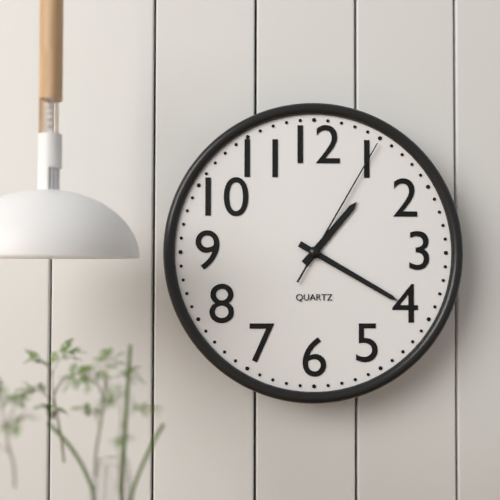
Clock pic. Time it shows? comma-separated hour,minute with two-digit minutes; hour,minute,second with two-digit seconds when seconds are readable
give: 1,20,05
